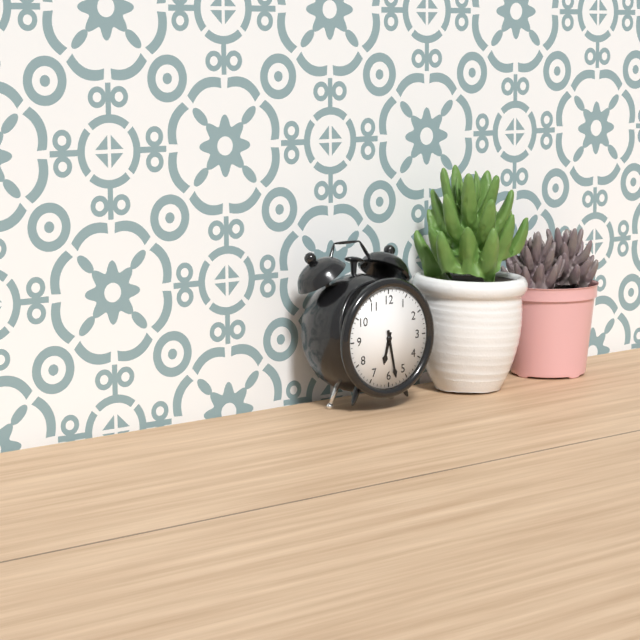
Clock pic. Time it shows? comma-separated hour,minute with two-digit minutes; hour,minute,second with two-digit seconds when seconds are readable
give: 6,28
